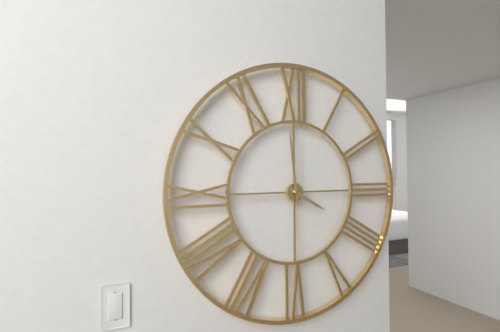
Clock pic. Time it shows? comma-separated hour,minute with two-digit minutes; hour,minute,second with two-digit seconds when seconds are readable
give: 3,59
